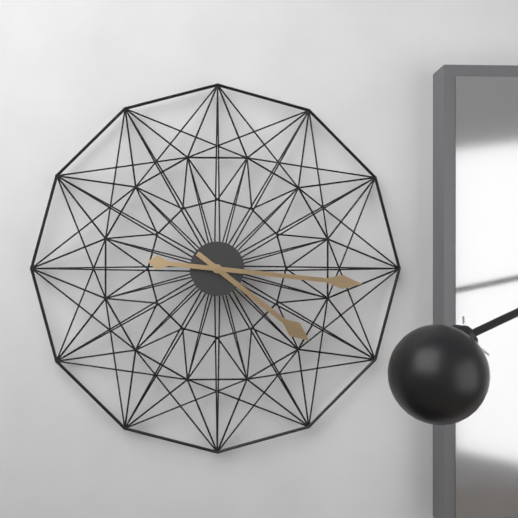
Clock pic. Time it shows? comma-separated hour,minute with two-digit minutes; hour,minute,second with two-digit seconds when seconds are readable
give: 4,16
